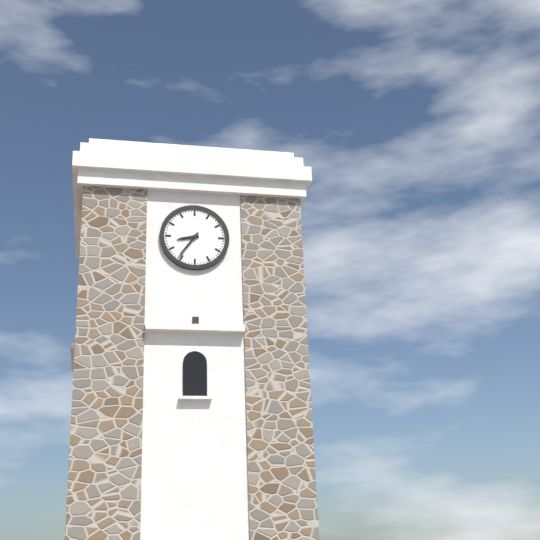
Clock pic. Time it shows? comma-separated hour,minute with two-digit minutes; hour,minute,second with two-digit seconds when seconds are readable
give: 8,36
